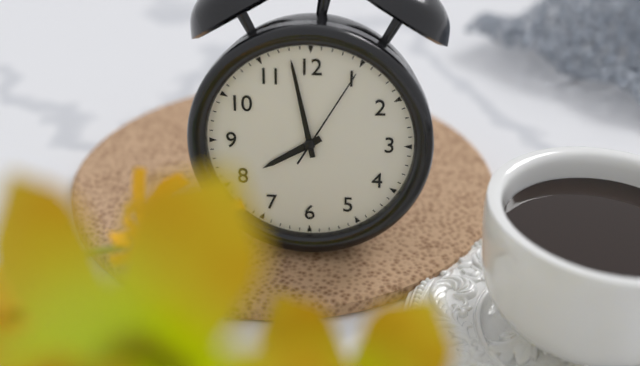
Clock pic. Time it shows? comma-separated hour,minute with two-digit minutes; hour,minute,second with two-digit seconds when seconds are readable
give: 7,58,05
